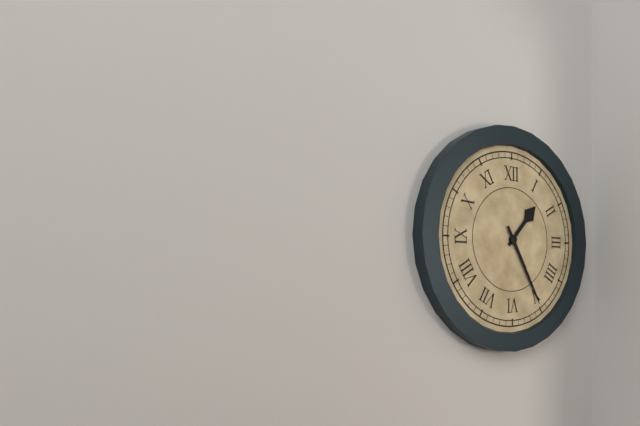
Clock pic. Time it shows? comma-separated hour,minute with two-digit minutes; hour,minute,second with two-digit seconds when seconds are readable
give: 1,25
